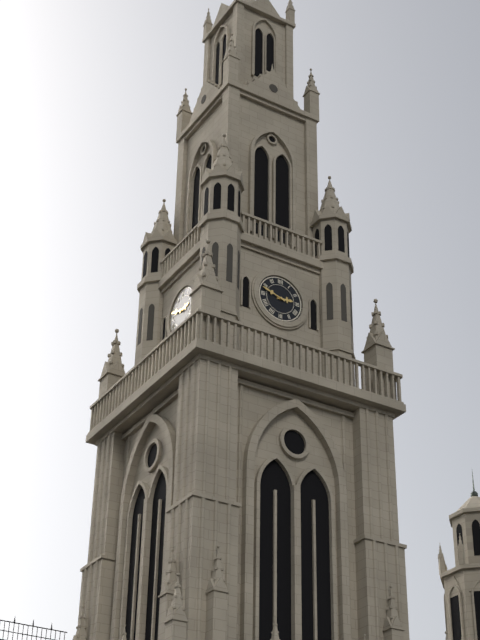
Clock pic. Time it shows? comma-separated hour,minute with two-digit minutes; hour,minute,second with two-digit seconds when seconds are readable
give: 2,48
